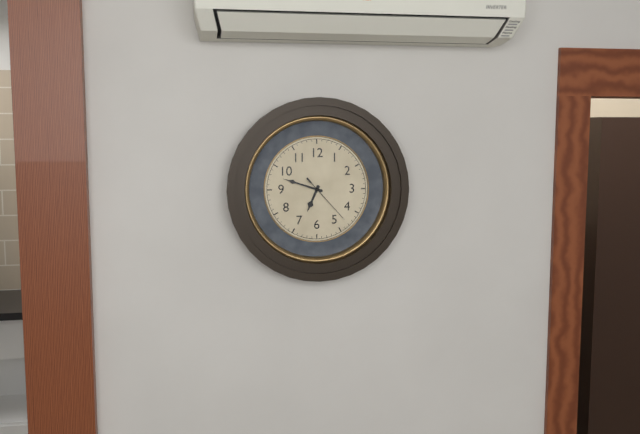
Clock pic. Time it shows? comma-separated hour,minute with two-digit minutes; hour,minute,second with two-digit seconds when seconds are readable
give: 6,48,23
